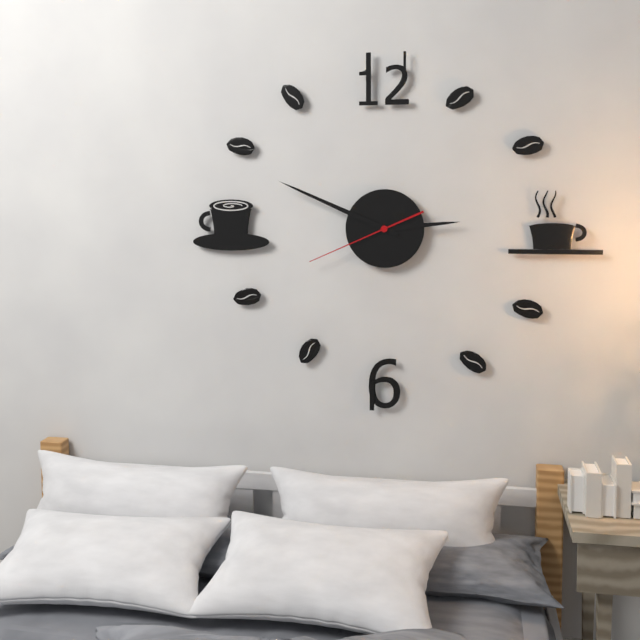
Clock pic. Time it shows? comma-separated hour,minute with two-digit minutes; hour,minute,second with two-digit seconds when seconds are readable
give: 2,49,41
